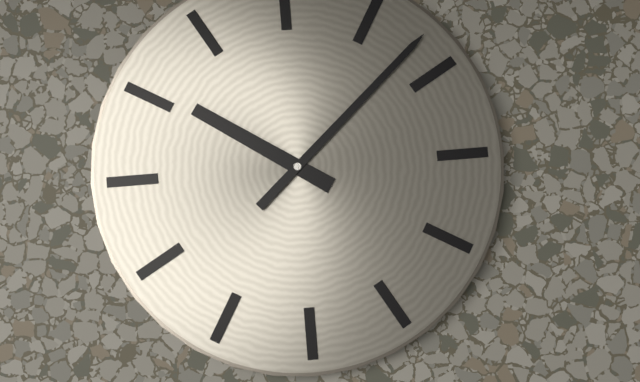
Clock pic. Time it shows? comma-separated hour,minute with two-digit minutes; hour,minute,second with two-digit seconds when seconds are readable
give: 10,08
